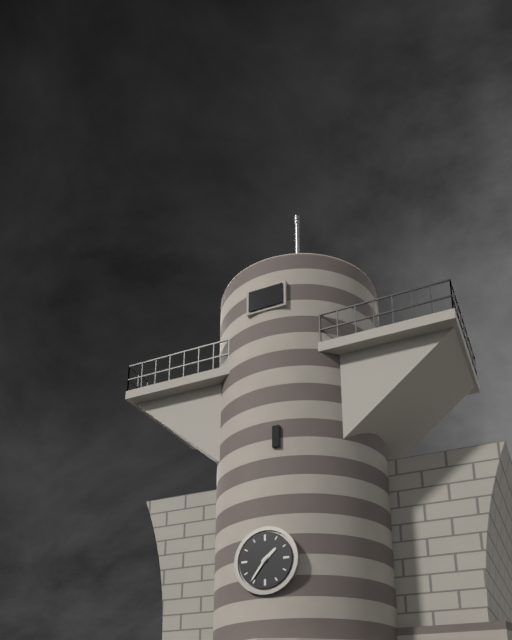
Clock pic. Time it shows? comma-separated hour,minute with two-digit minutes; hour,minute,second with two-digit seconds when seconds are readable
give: 1,36
